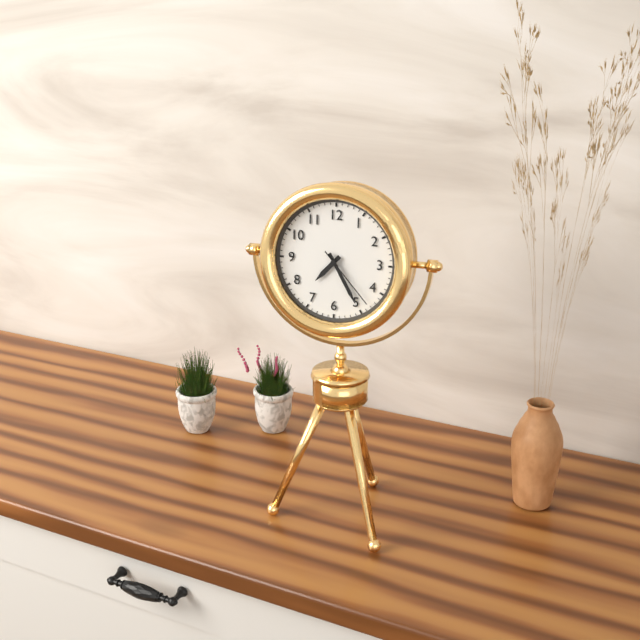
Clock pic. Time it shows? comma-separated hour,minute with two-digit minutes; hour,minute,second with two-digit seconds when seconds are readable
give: 7,25,23
